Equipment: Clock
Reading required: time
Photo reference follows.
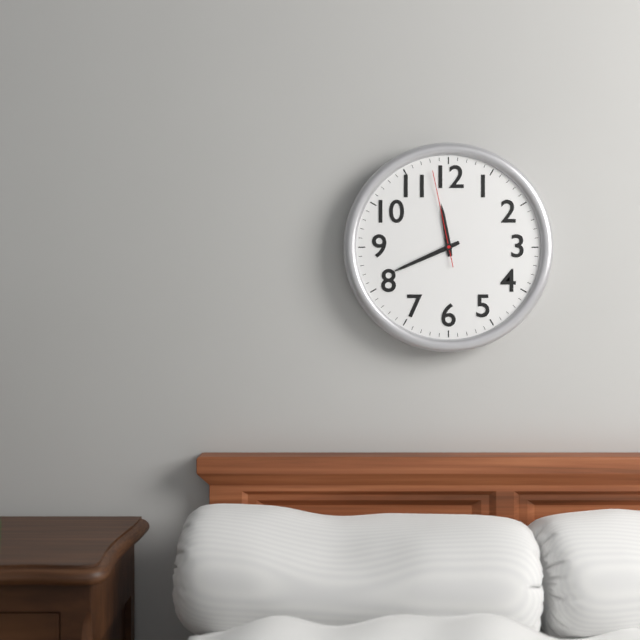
11:41:58
